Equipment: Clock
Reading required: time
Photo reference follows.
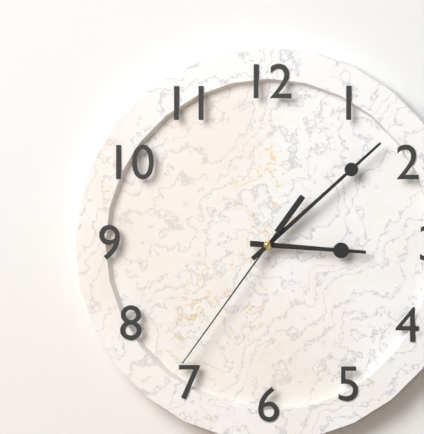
3:08:36
